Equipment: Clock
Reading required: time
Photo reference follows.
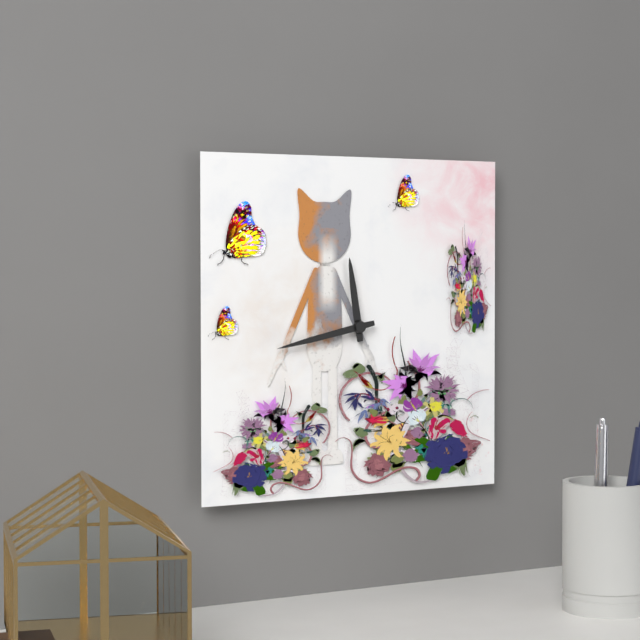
11:43
